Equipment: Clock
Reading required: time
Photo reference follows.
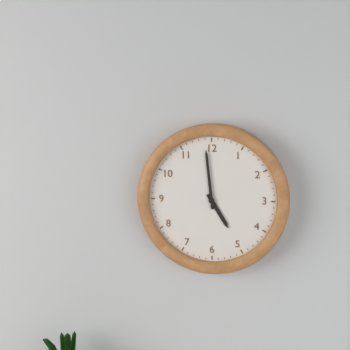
4:59
